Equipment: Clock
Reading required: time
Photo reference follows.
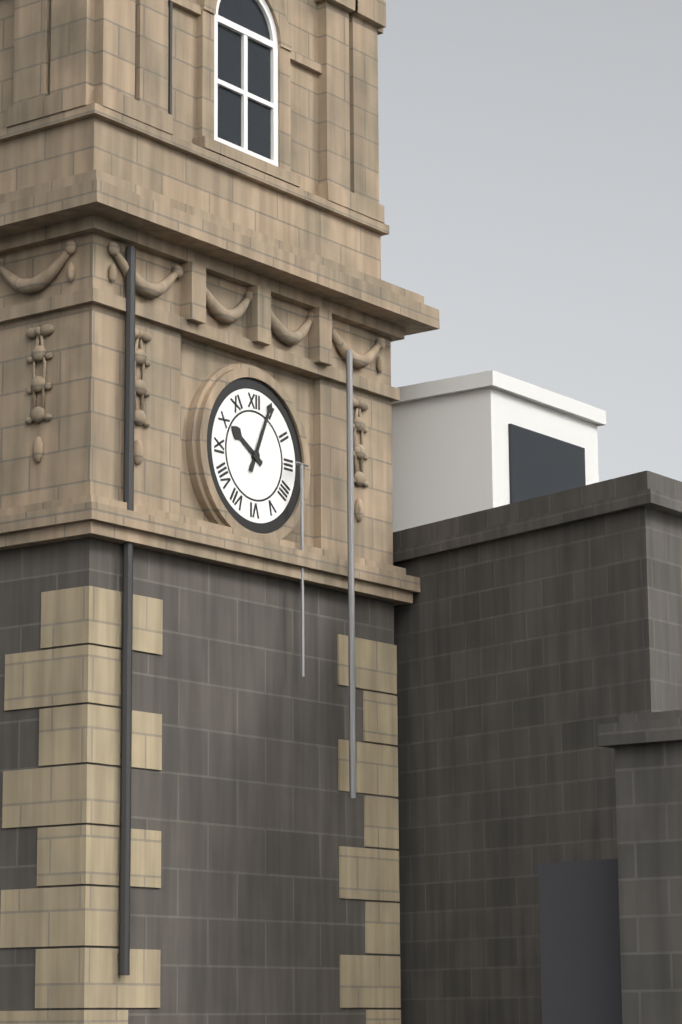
10:04
